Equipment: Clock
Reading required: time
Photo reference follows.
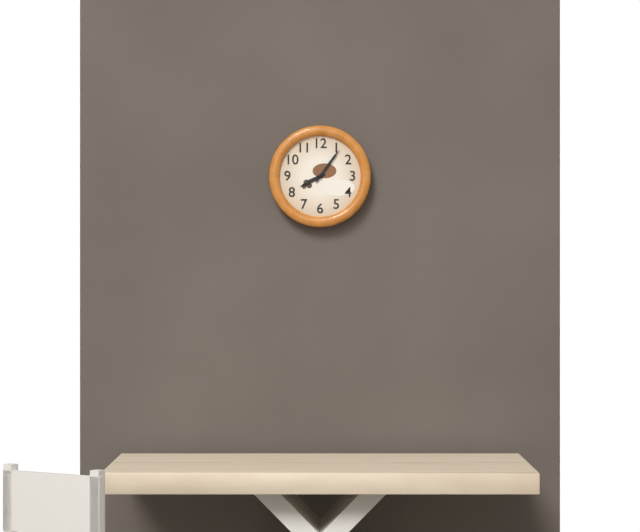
8:06
